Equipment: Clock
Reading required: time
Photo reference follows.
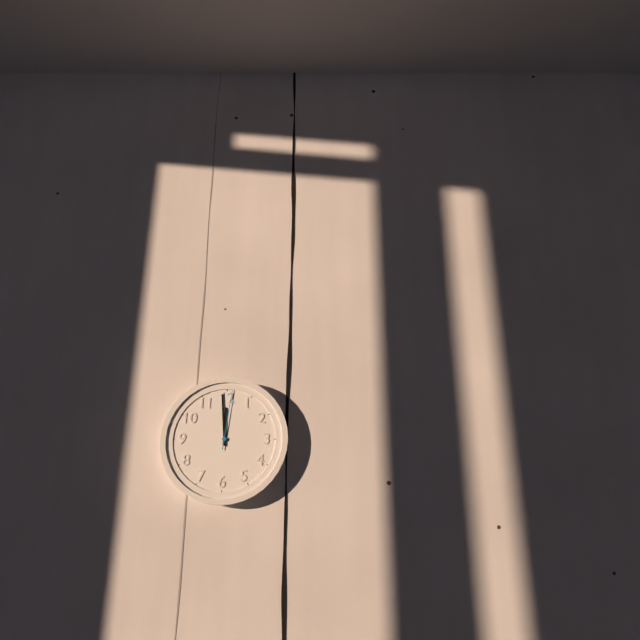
11:59:01
